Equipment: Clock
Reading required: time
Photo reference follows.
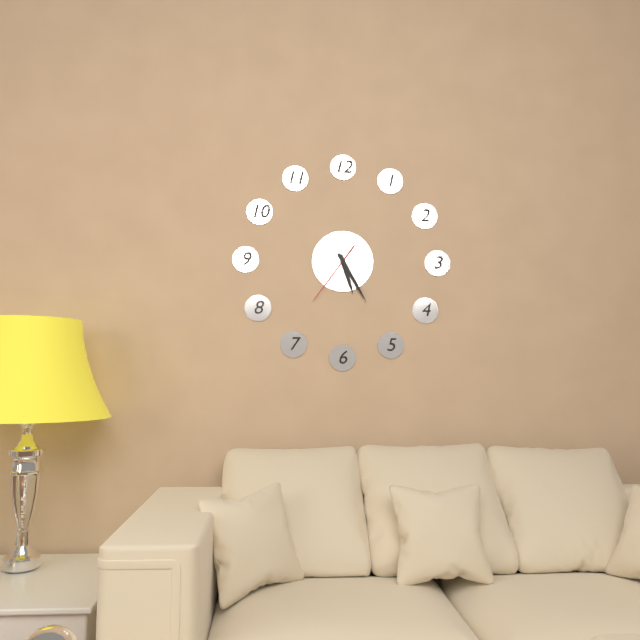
5:25:36
